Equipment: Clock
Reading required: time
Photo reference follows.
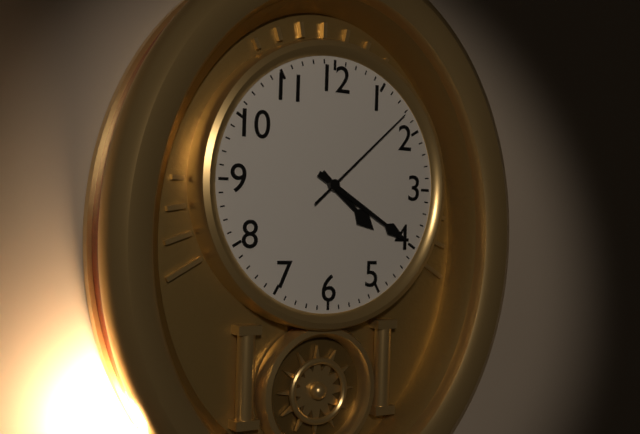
4:20:08
